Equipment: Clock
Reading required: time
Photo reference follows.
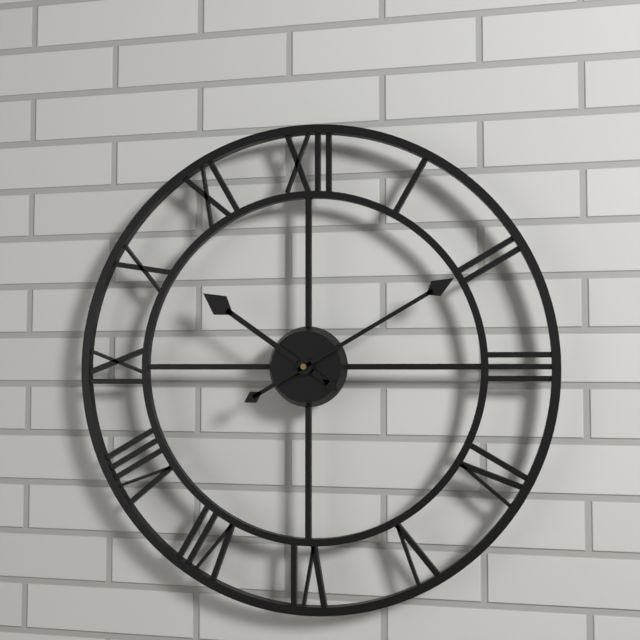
10:10
